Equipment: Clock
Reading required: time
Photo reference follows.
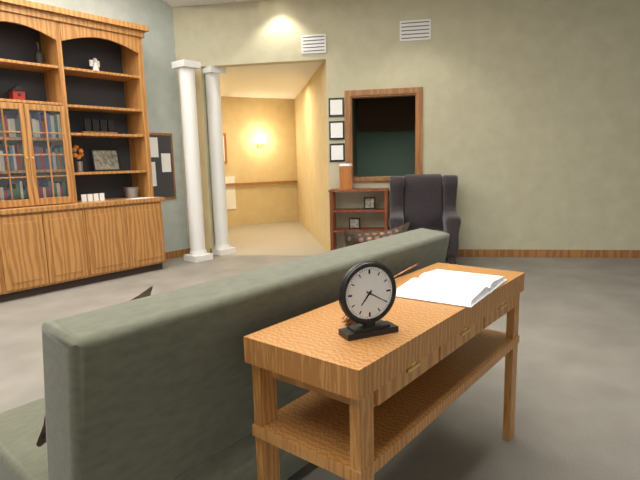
7:20
